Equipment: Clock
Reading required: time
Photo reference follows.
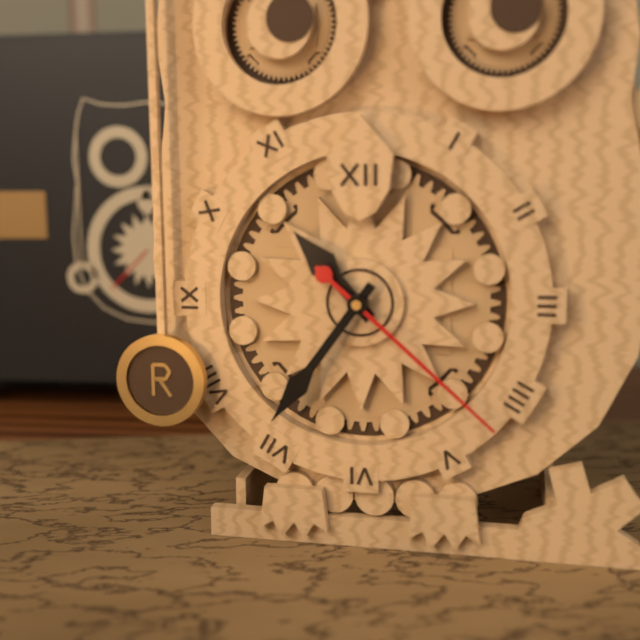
10:36:22
